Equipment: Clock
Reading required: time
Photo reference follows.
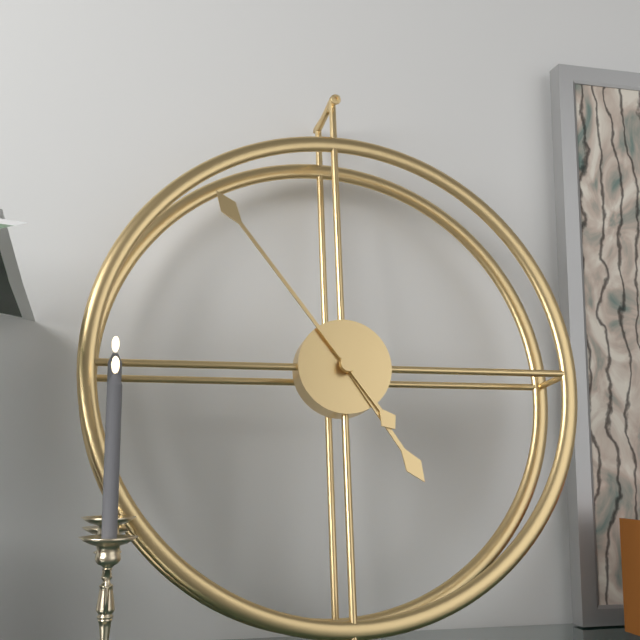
4:54
